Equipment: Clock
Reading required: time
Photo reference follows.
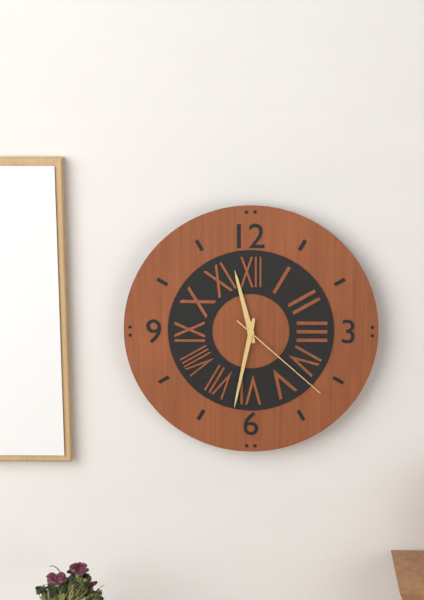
11:32:22
